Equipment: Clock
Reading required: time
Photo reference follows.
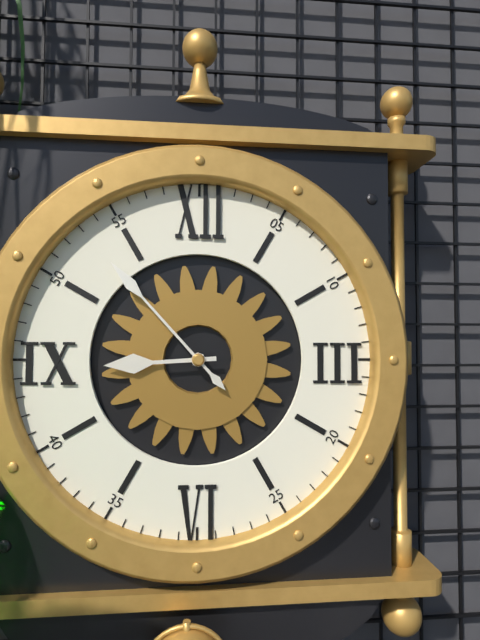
8:53
